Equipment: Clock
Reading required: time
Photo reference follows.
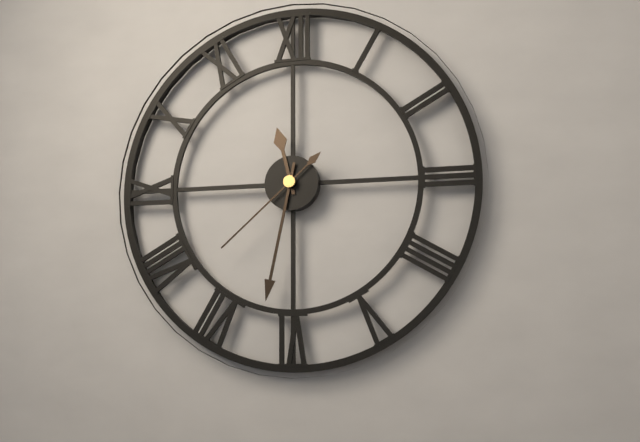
11:32:38
